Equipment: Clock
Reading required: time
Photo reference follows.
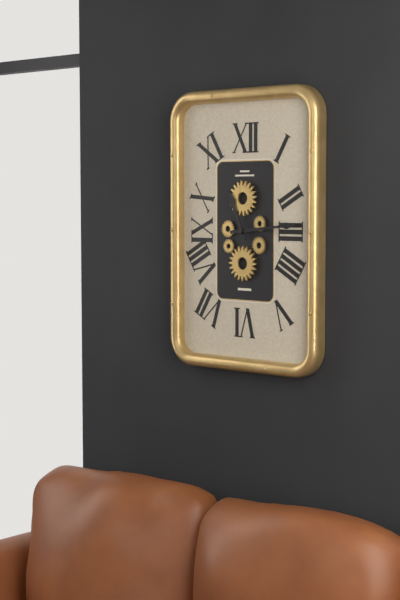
11:14
